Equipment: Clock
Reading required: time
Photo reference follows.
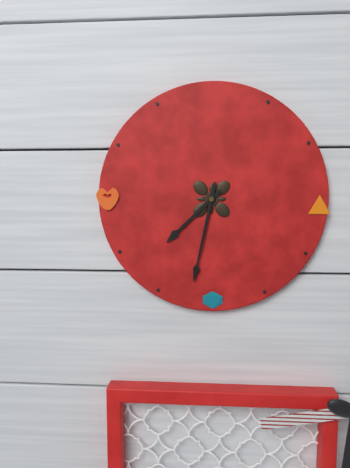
7:32
